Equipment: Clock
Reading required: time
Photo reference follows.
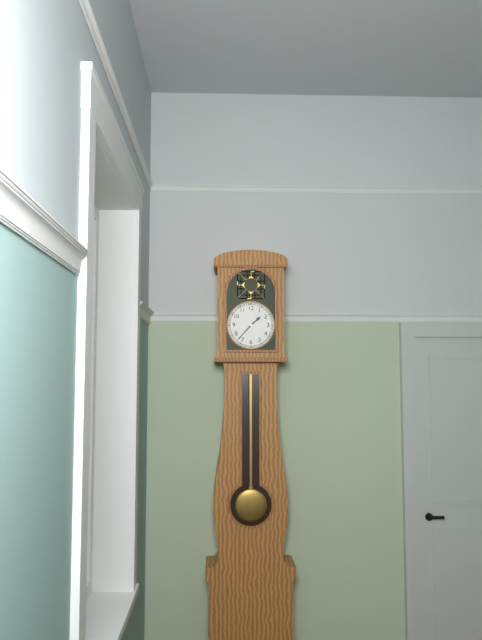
1:37
